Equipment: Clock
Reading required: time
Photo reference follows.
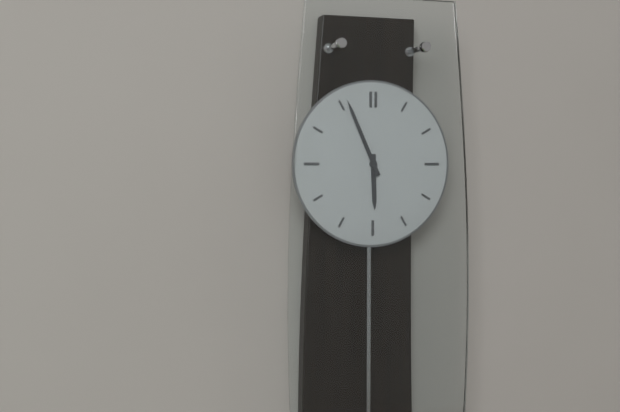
5:56
